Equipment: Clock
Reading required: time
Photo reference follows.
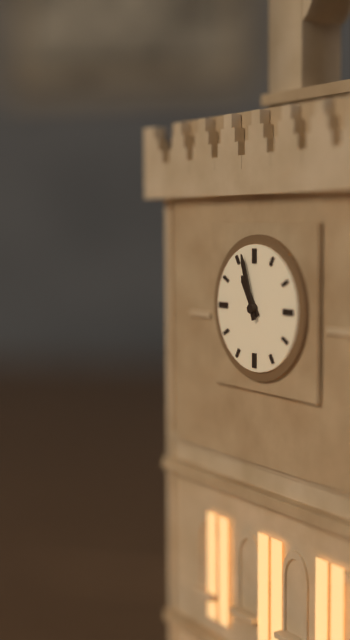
10:57
